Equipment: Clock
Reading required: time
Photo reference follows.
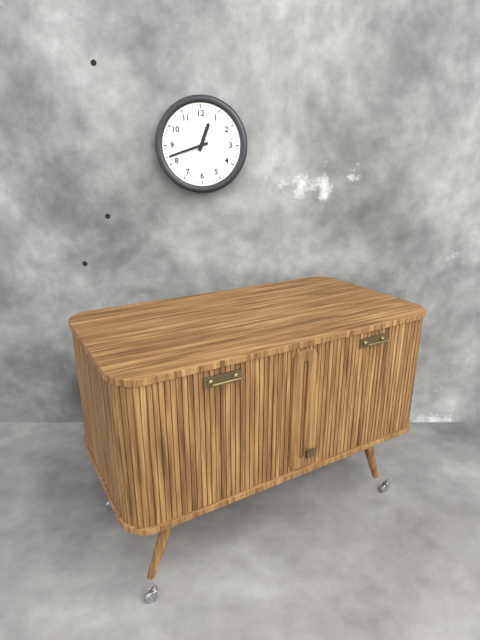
12:42
